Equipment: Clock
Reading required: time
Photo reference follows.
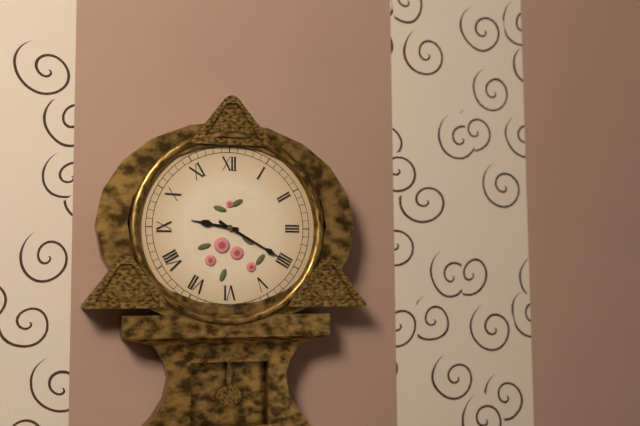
9:20
